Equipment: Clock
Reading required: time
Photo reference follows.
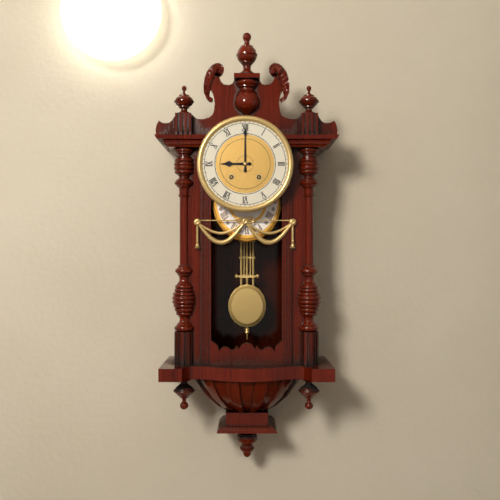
9:00
